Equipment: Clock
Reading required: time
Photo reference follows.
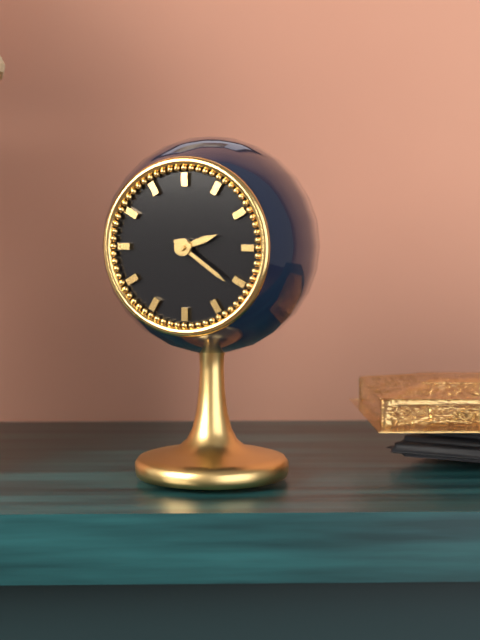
2:21
